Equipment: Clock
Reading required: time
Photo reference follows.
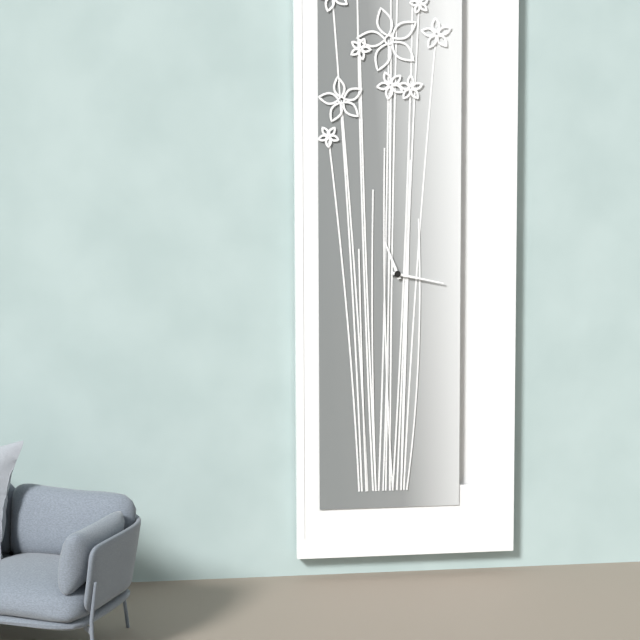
11:17
